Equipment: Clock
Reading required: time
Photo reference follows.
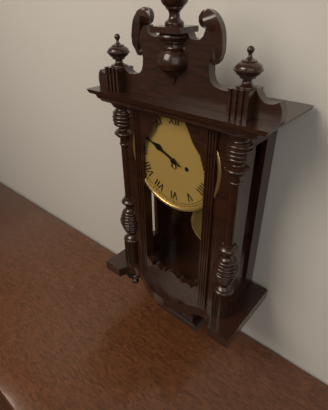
9:49
